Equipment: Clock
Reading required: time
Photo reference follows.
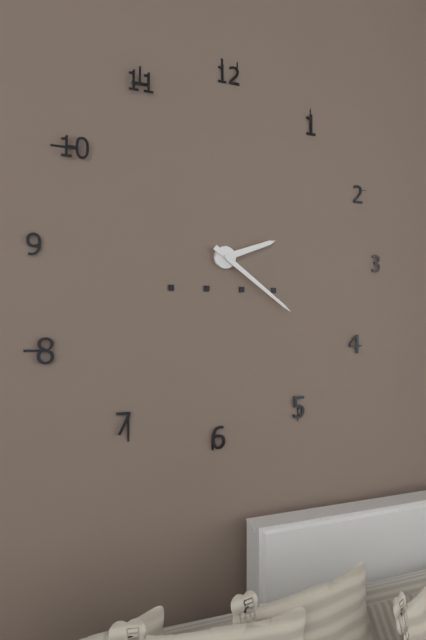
2:21
